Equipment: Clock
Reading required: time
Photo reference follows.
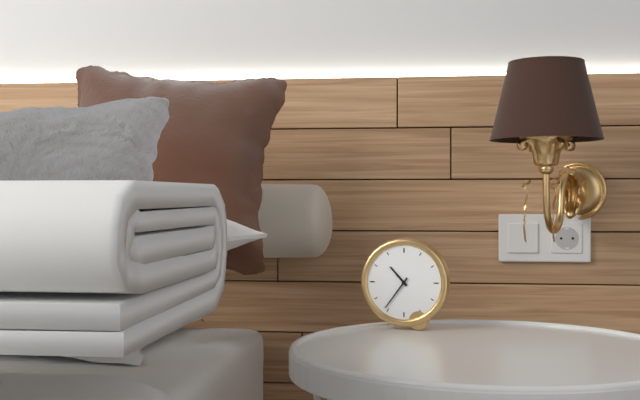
10:36
